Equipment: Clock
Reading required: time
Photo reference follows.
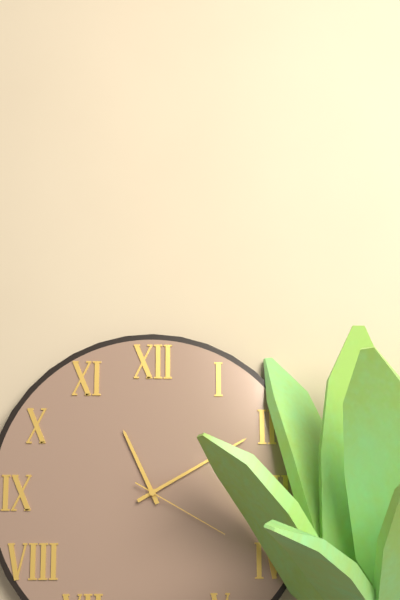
11:10:20
